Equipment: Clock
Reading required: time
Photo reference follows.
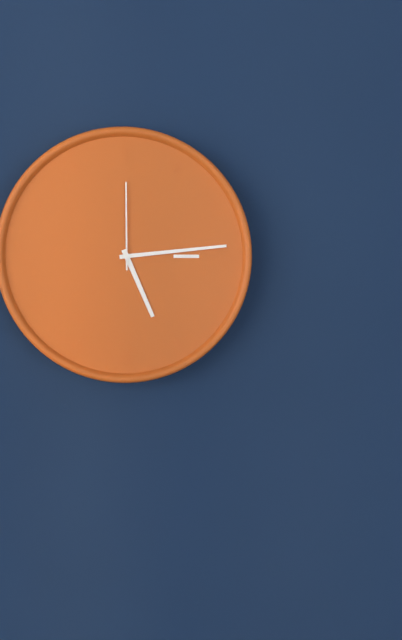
5:14:00
